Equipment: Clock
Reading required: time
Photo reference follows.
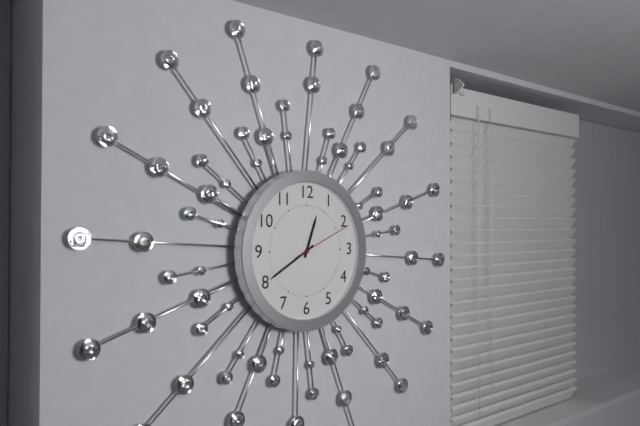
12:40:11
